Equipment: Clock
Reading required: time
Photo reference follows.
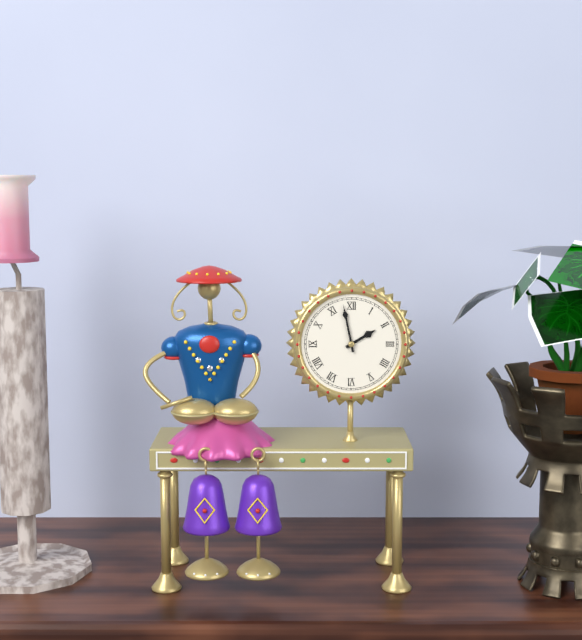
1:58
